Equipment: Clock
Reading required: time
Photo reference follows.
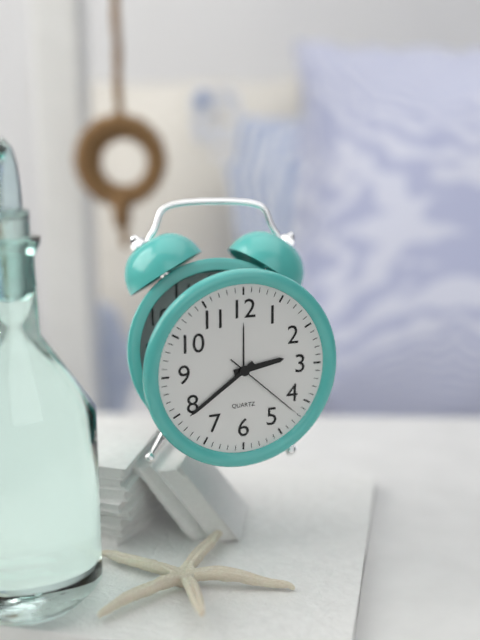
2:39:22
